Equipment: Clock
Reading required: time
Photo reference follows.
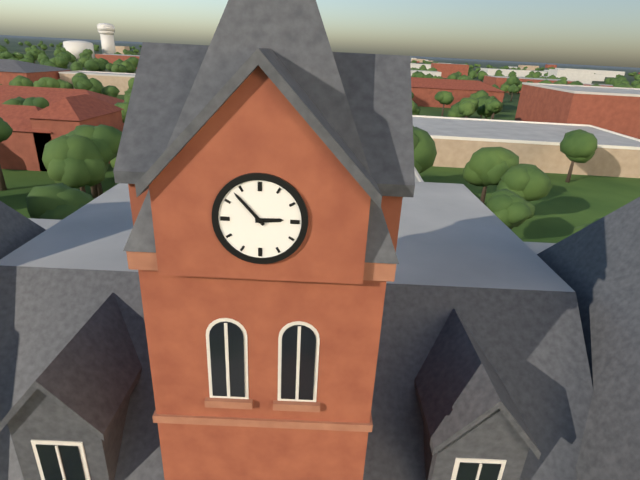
2:53
